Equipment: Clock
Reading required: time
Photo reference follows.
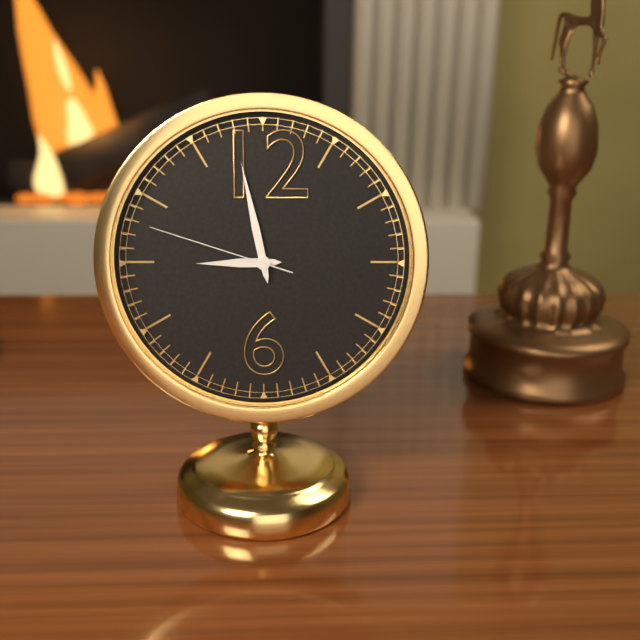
8:58:48
